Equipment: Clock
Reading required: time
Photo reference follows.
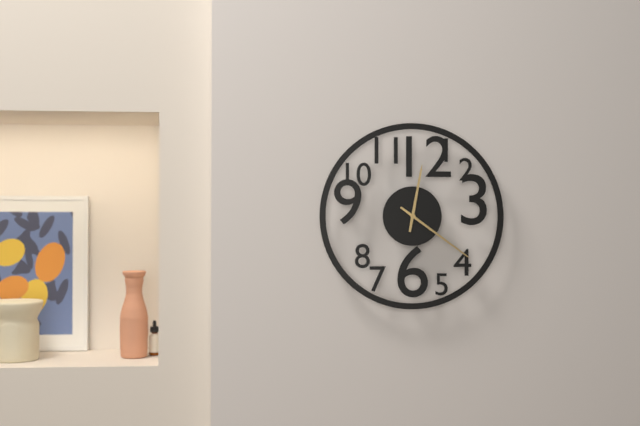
12:21
